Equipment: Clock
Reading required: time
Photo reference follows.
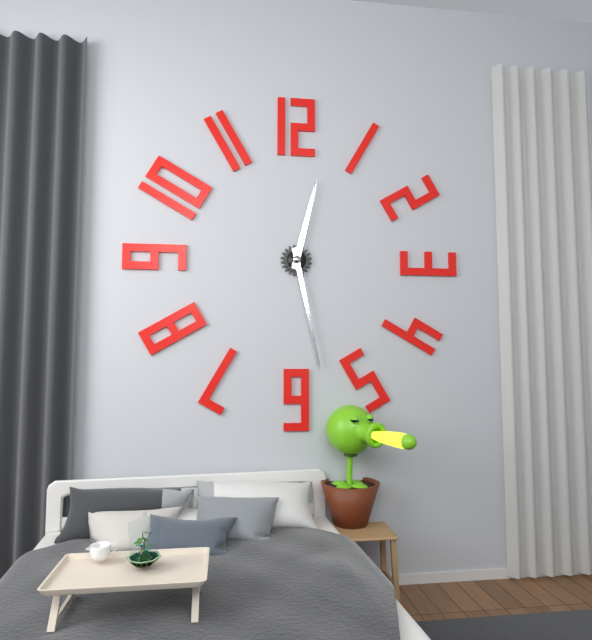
12:28
